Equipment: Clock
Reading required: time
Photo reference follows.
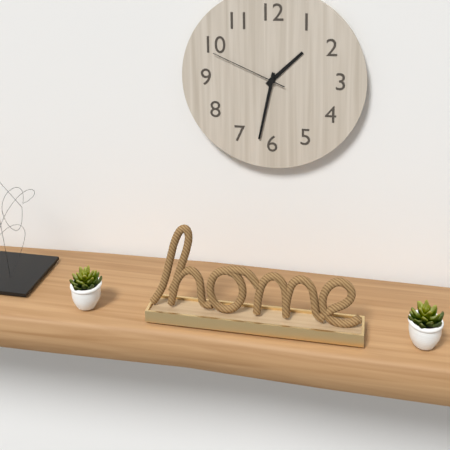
1:32:49
